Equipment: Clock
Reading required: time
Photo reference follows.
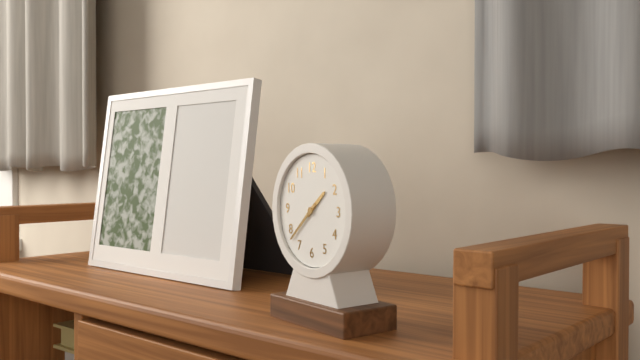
1:38
